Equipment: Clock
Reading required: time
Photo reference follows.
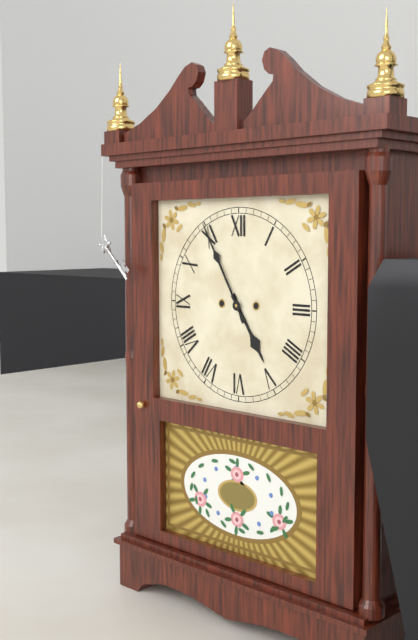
4:55
